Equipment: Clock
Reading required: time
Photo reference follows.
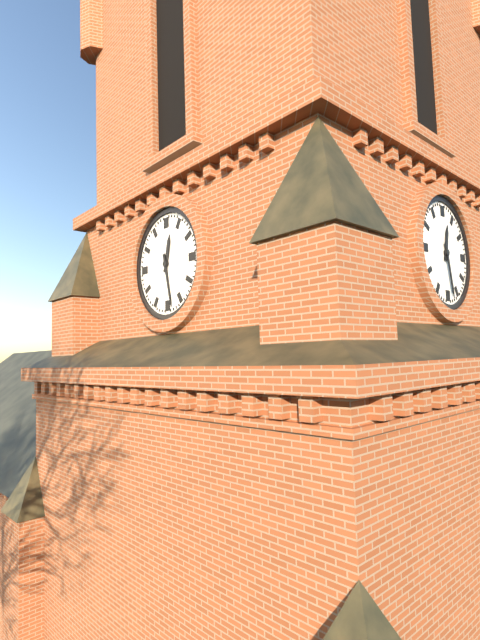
12:28
